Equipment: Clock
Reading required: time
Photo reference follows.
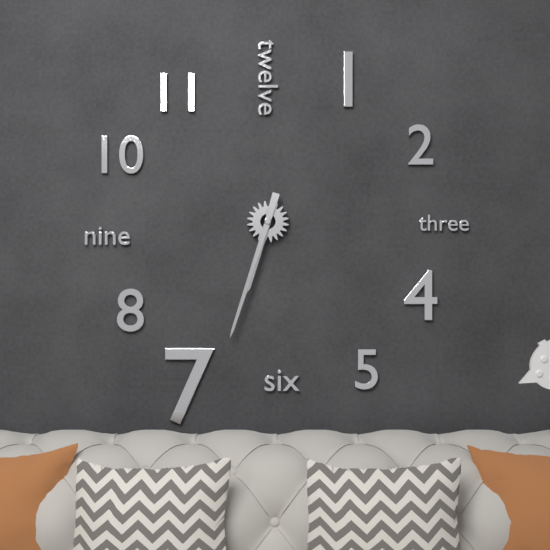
6:33
